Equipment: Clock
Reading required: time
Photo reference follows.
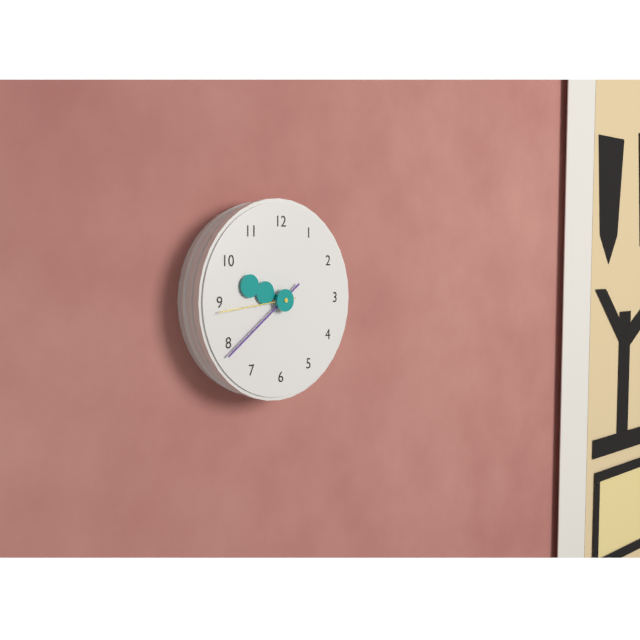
9:39:44
